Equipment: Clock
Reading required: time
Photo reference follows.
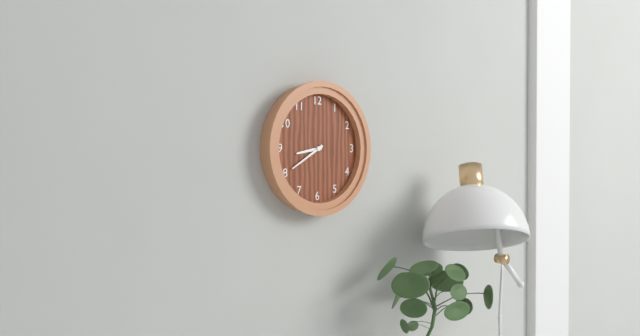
8:40
